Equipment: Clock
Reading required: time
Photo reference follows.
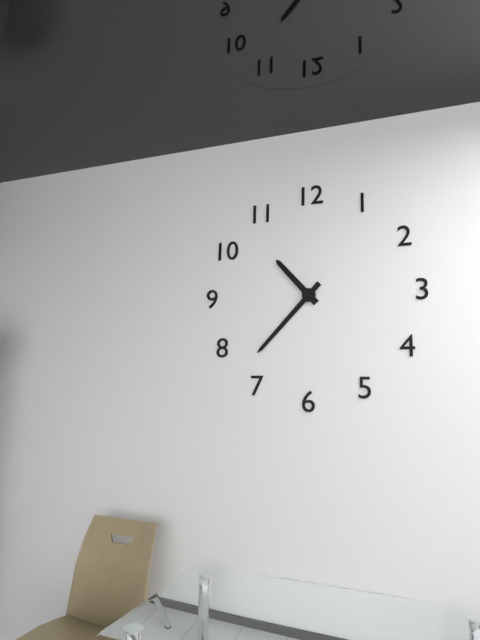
10:37
